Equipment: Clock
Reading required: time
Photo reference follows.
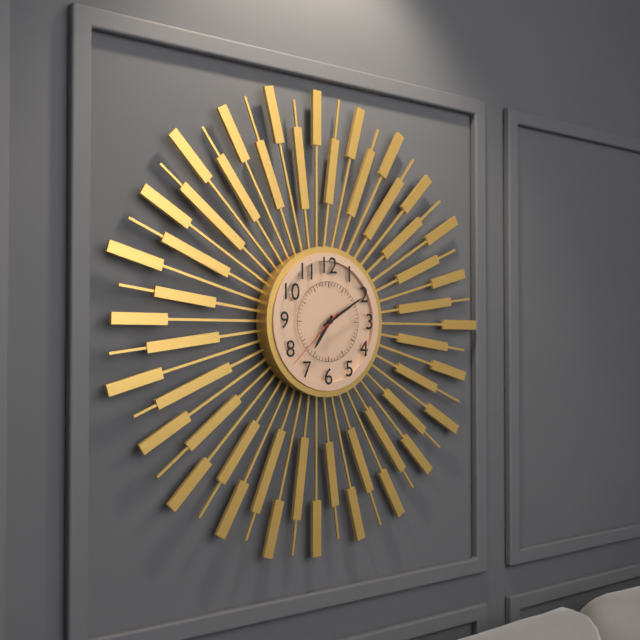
7:10:38
